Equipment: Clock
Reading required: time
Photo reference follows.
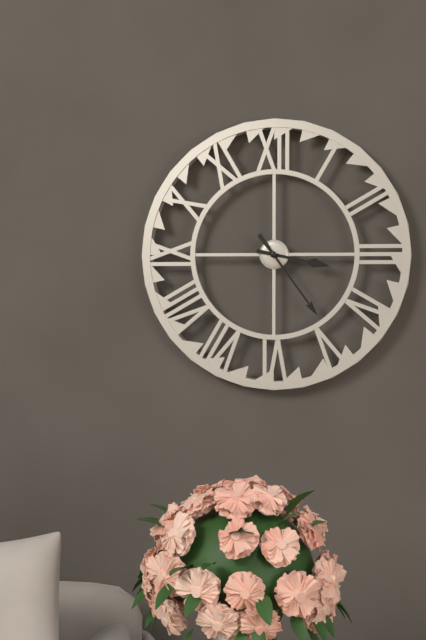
3:24
